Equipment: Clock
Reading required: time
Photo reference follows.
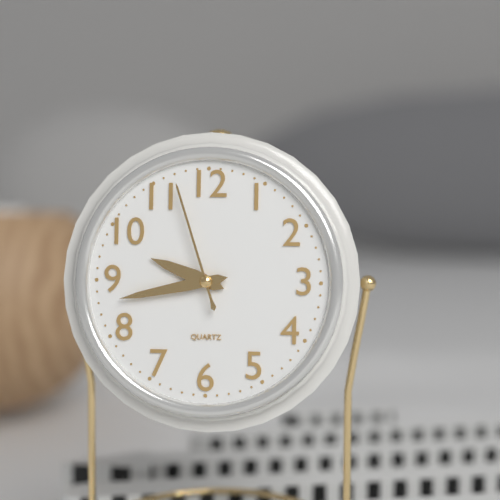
9:43:57
